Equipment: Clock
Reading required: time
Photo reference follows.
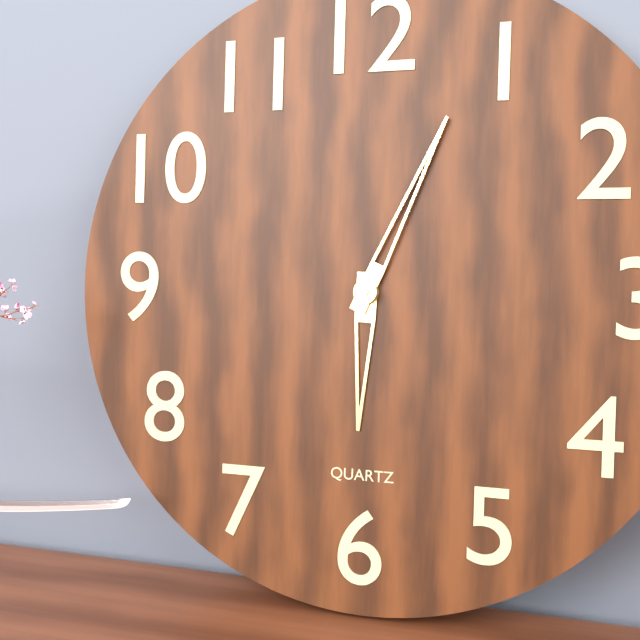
6:04
